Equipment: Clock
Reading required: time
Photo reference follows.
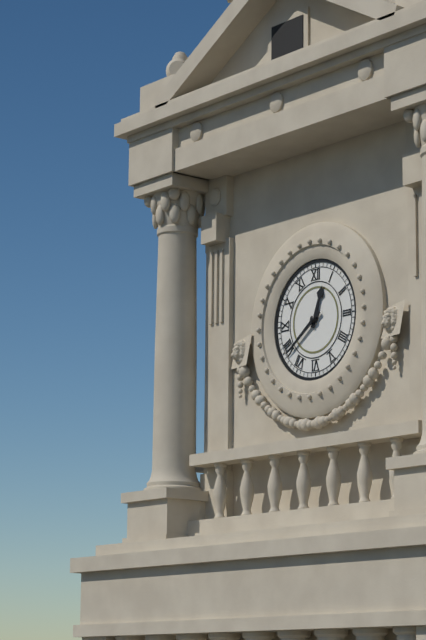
12:39
